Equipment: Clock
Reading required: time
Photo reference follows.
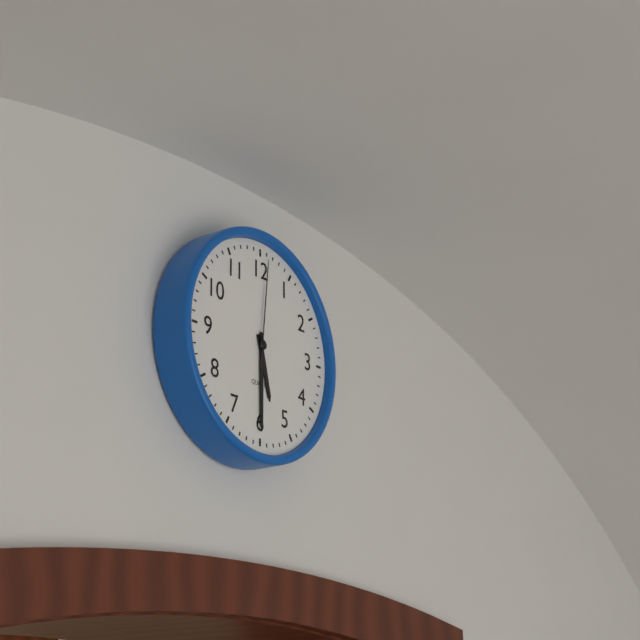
5:30:01
